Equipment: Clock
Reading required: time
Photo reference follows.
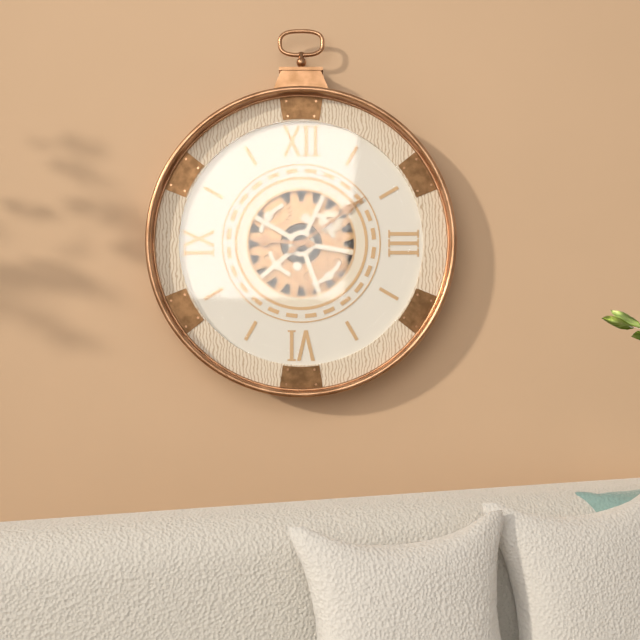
9:09
